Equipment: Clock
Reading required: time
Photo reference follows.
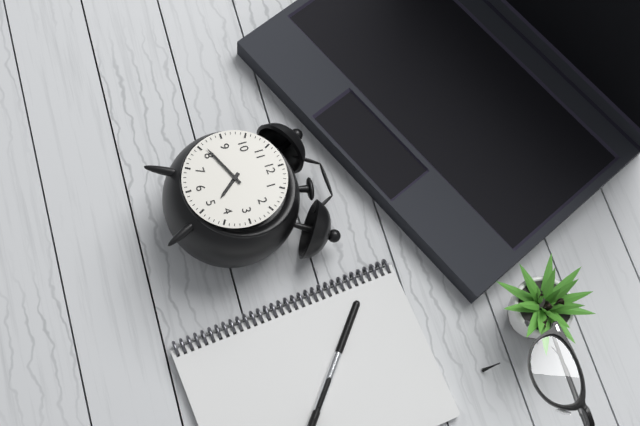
4:41
